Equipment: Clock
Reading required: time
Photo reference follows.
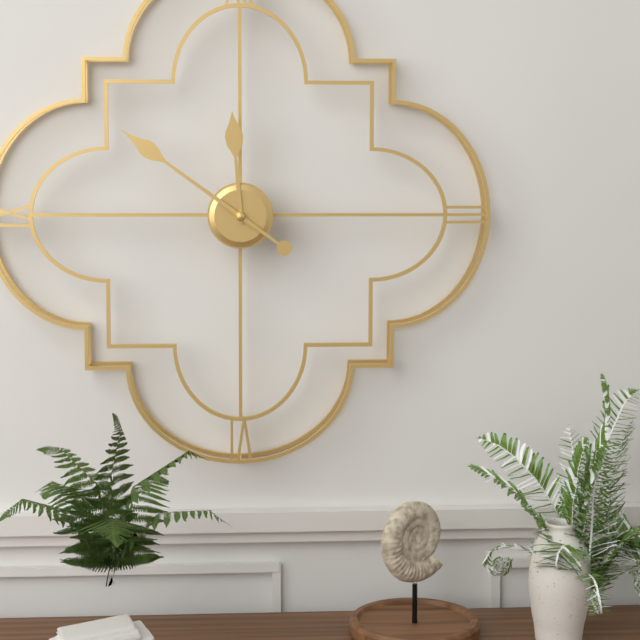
11:51
